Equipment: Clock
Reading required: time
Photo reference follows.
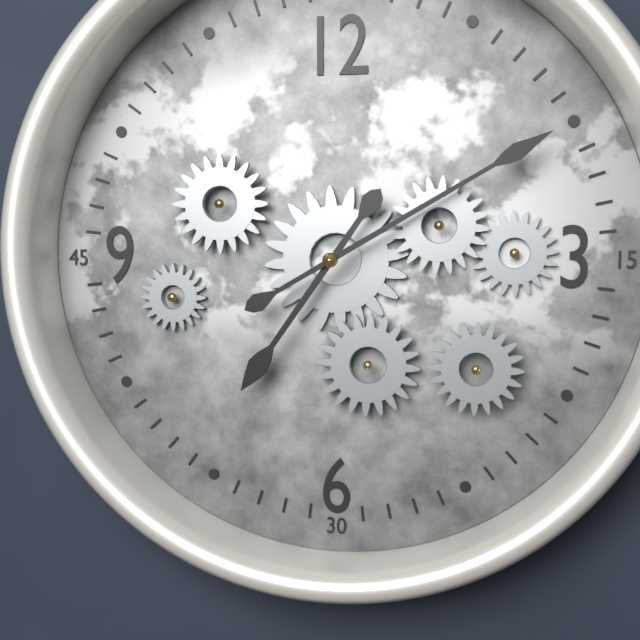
7:10
